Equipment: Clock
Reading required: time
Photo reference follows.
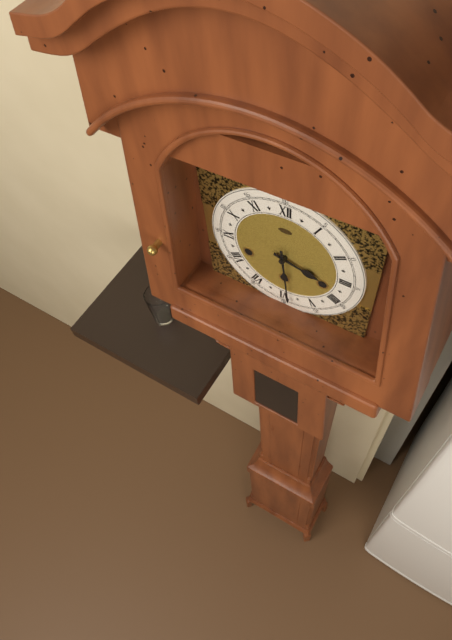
3:29
